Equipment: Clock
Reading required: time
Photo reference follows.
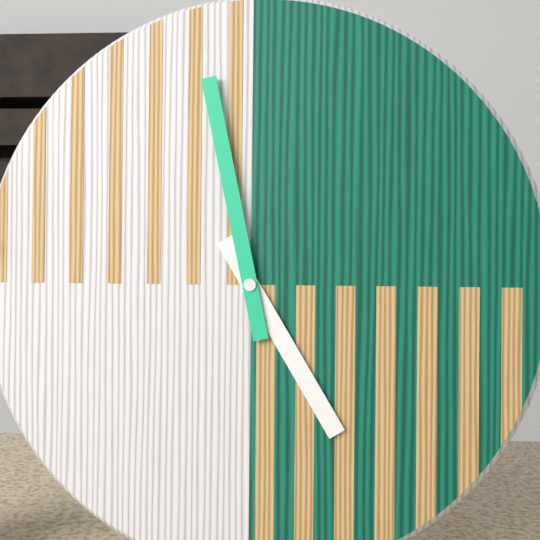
4:58
